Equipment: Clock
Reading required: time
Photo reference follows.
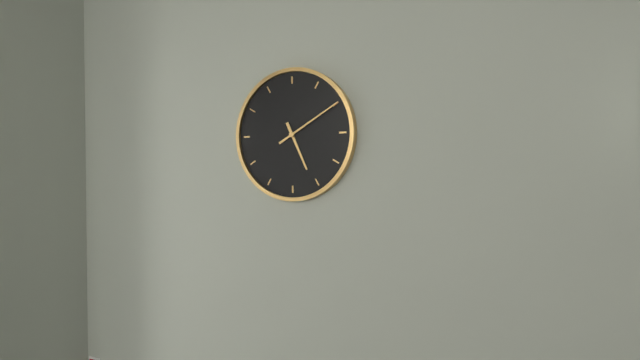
5:10
